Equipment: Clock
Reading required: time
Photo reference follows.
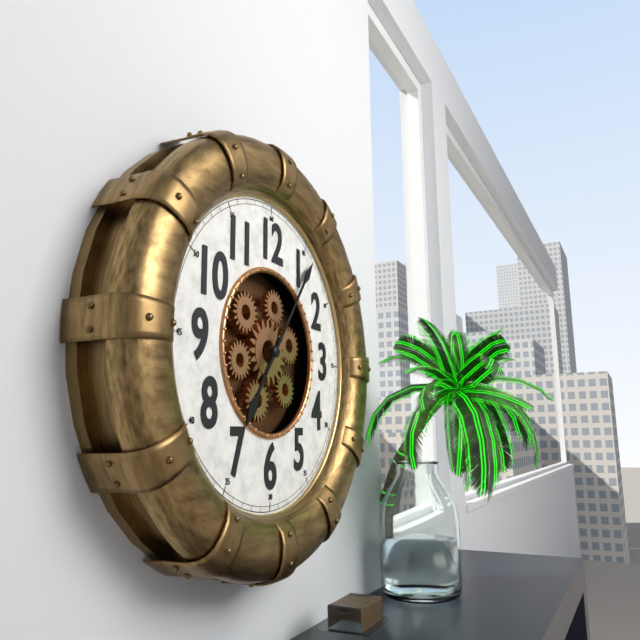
7:06
